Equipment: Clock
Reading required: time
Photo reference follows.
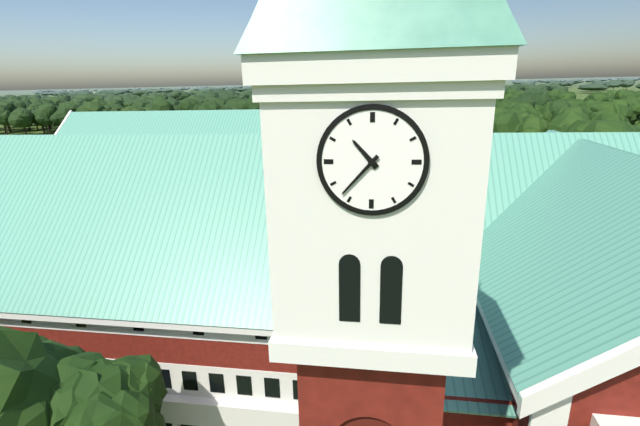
10:37
